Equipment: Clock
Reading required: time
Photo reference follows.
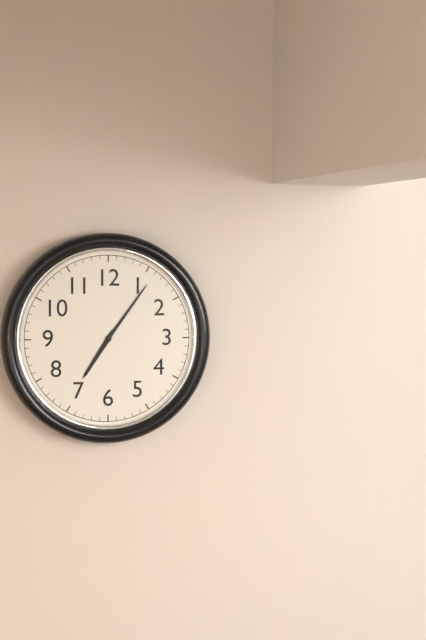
7:06
